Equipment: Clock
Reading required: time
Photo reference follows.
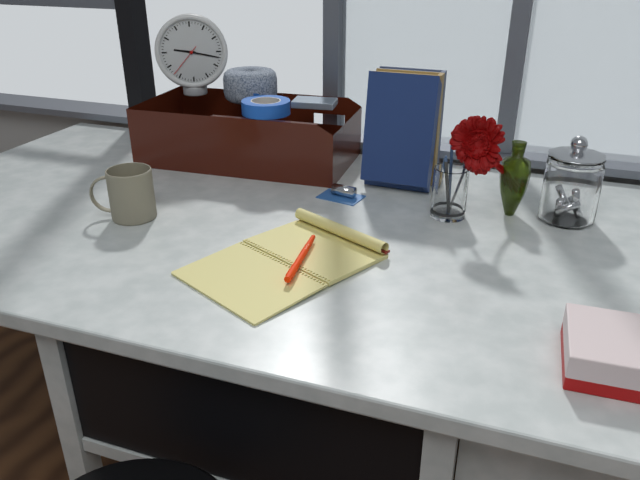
9:17
